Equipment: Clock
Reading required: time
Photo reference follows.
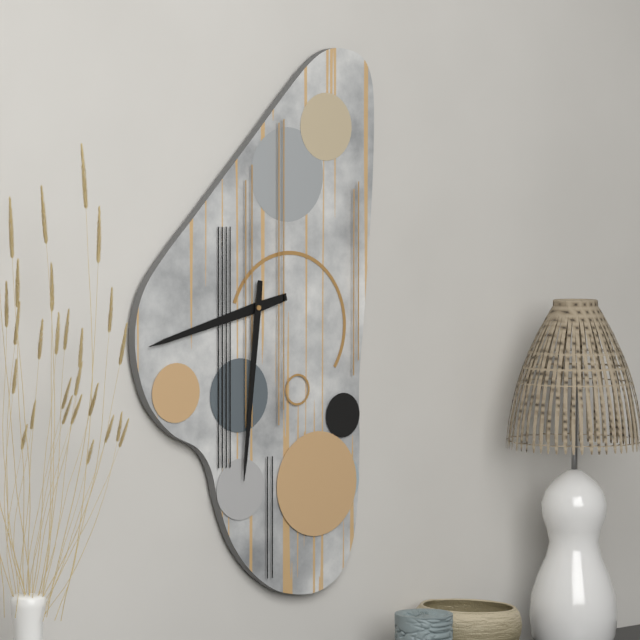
8:31
